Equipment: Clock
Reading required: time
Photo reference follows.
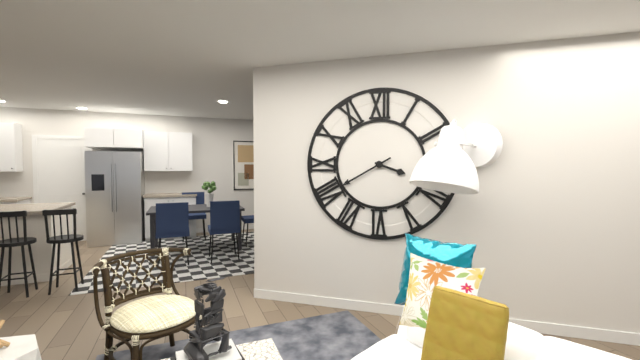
3:40
